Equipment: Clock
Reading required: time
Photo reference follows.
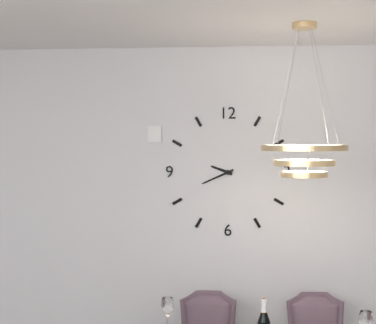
9:41
